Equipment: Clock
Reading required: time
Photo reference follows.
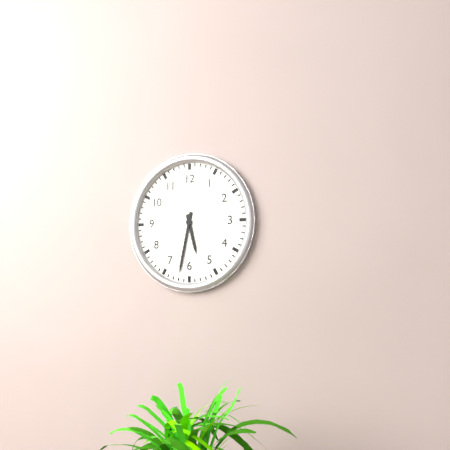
5:32
